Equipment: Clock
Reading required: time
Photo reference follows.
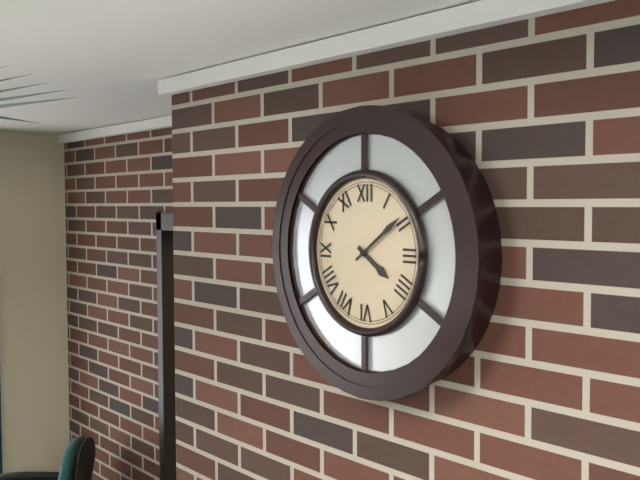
4:09
